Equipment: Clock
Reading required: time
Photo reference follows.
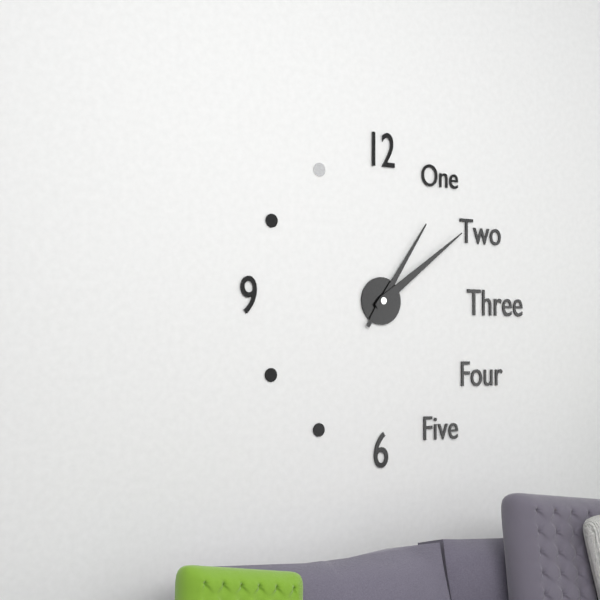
1:09
